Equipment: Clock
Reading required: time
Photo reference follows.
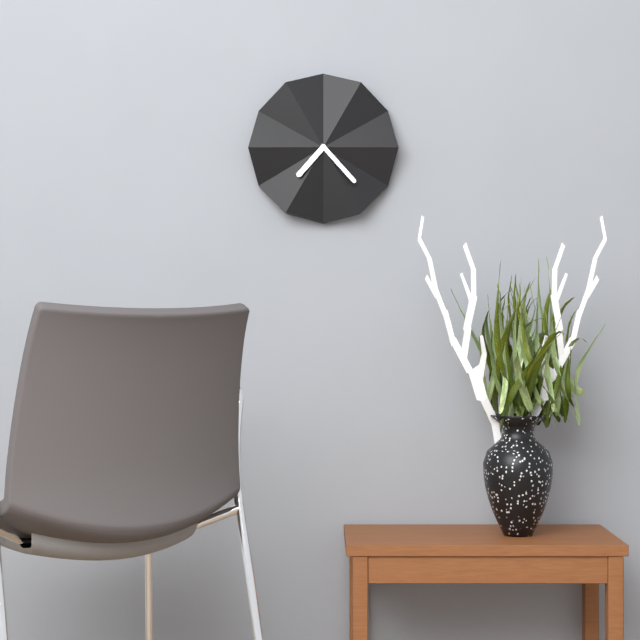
7:23
